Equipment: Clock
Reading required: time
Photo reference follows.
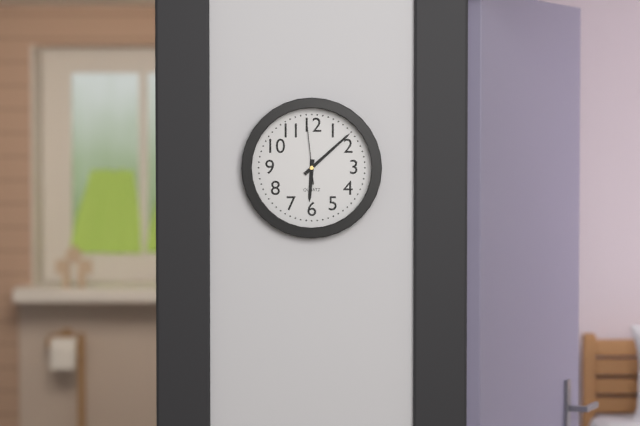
6:08:59
